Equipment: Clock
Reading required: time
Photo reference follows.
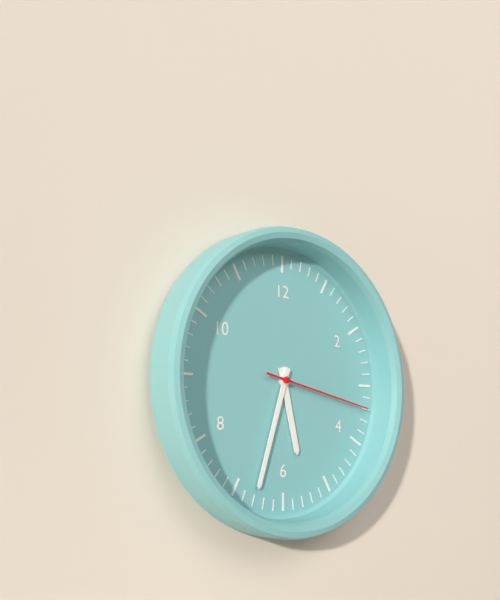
5:33:17
